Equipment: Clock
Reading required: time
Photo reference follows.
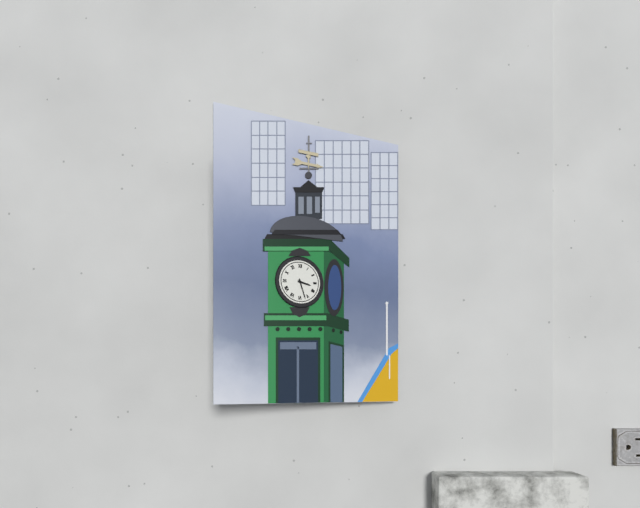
3:27
